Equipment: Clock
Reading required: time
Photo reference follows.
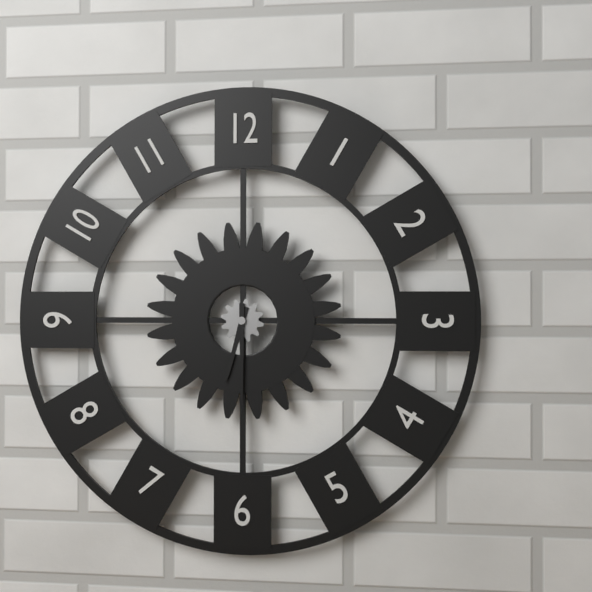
6:30
